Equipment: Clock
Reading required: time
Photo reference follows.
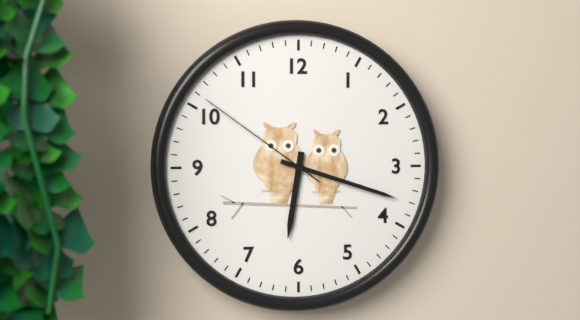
6:18:51
